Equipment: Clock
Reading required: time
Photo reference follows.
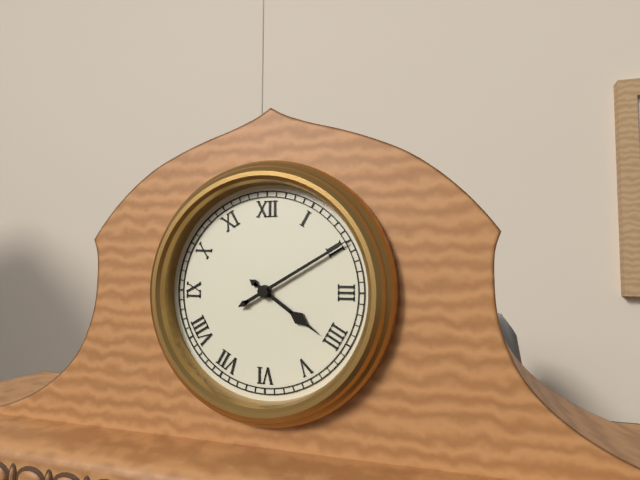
4:10
